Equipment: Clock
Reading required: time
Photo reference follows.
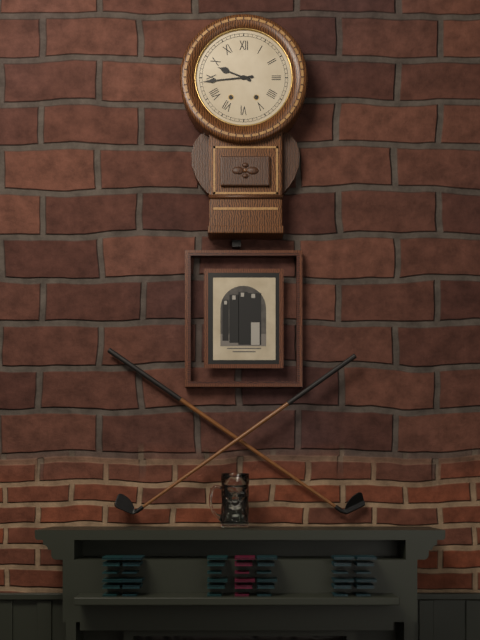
9:44
